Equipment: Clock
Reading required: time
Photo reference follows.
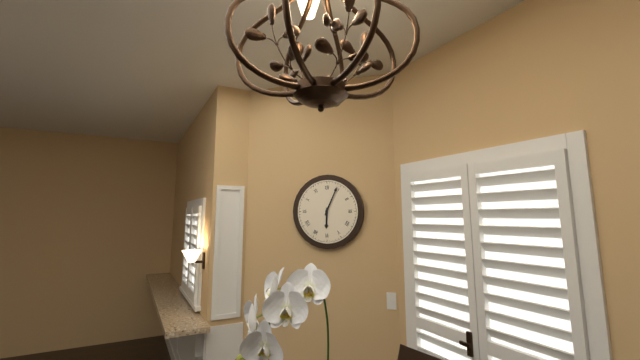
6:04
